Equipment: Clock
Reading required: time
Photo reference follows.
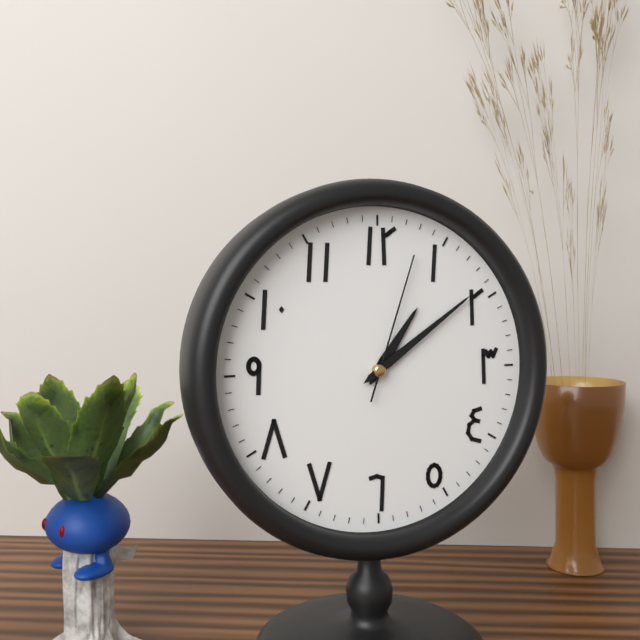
1:09:03
